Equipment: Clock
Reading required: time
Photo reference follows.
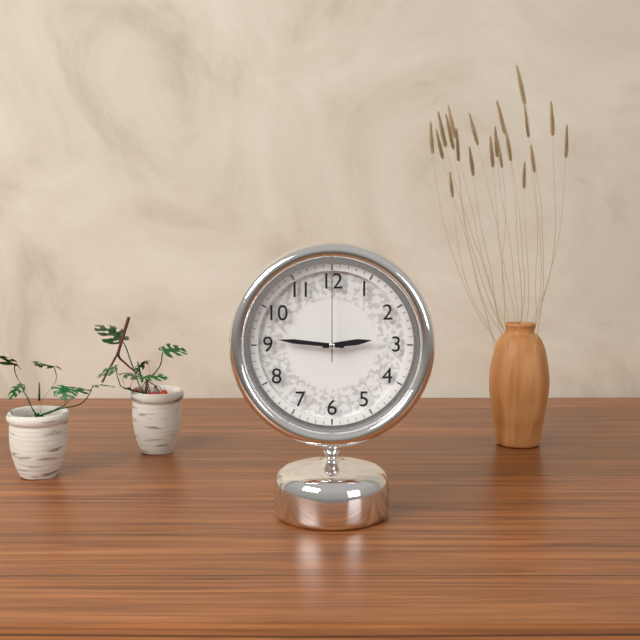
2:46:00
